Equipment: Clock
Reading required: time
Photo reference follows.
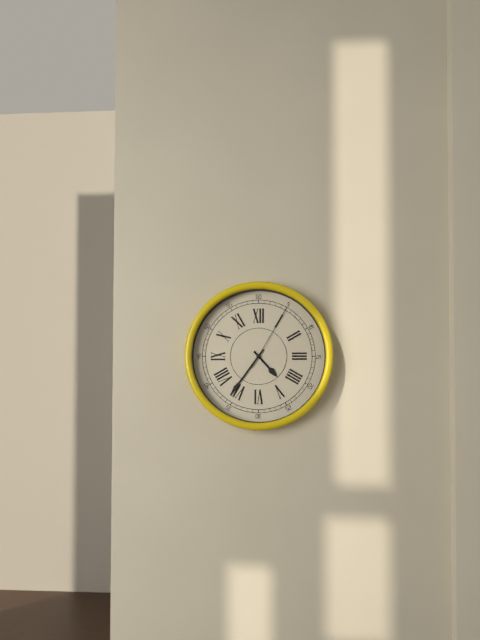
4:36:05
